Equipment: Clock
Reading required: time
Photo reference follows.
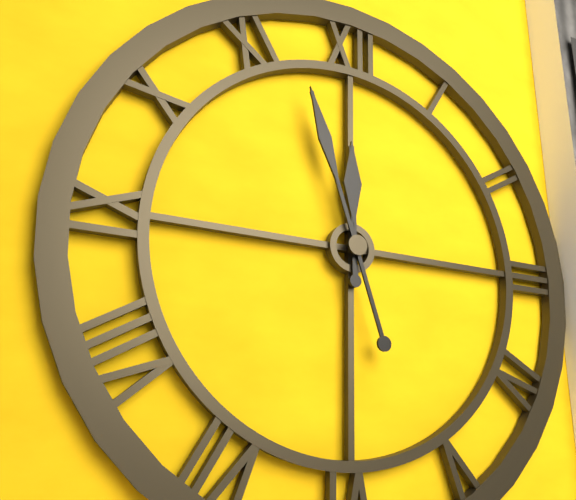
11:57
